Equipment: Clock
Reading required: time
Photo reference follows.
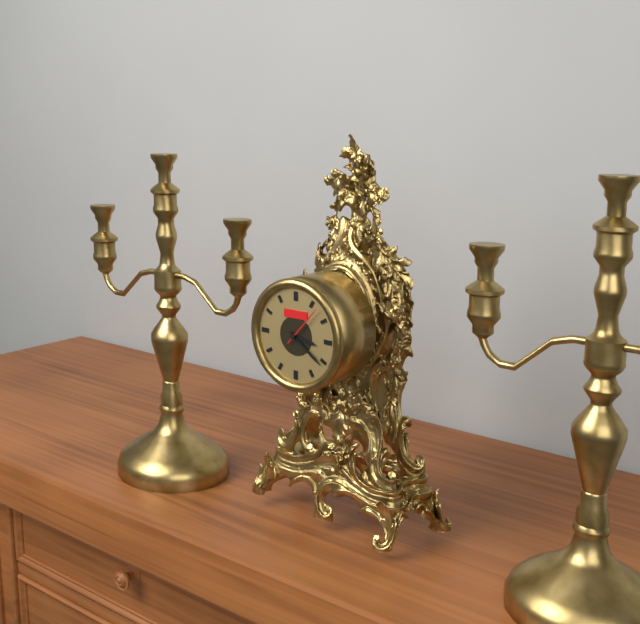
3:21
